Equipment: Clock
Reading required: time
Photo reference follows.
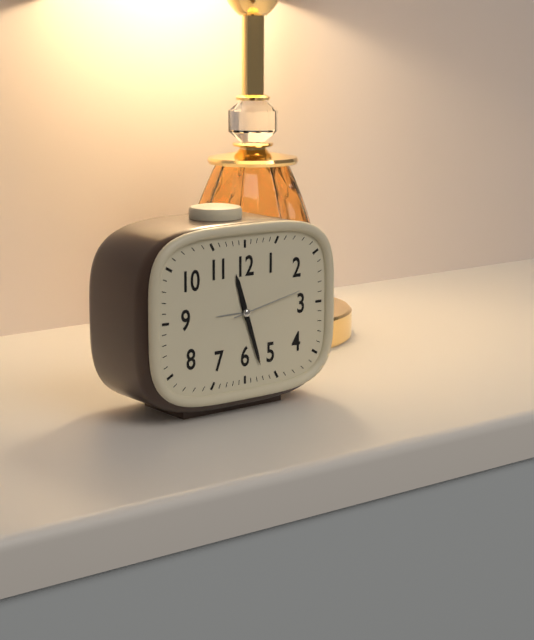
11:27:13
